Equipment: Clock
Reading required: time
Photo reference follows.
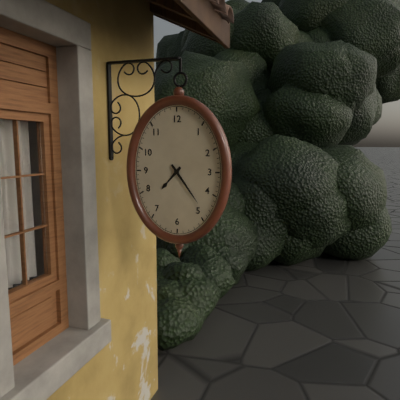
7:24
